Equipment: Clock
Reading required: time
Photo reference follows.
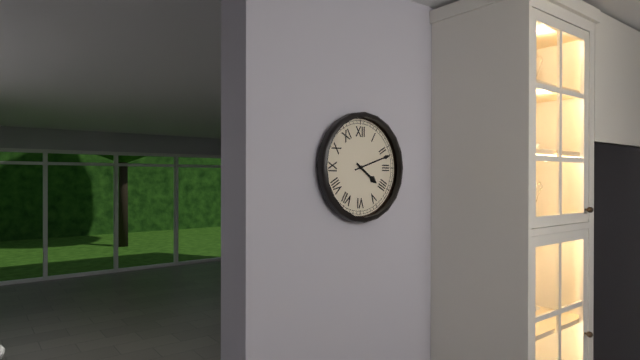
4:12
